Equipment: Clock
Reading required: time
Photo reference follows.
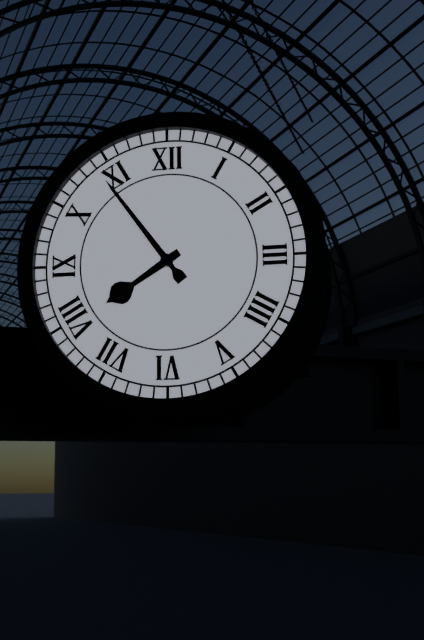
7:54
